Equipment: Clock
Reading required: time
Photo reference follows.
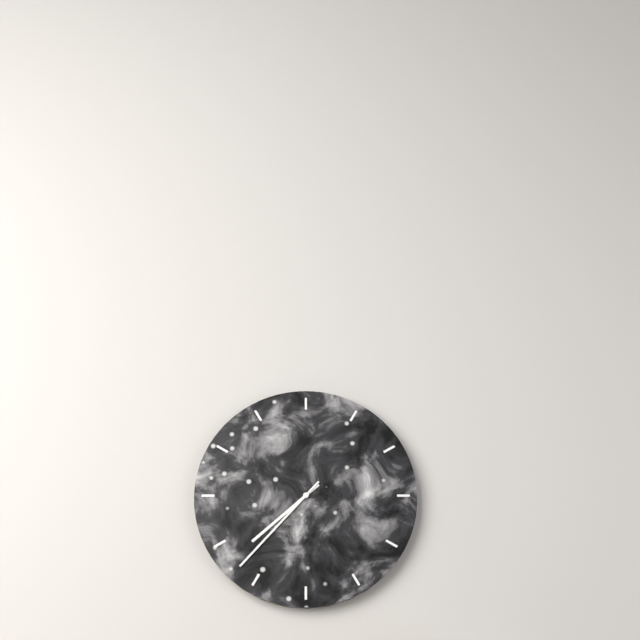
7:37
